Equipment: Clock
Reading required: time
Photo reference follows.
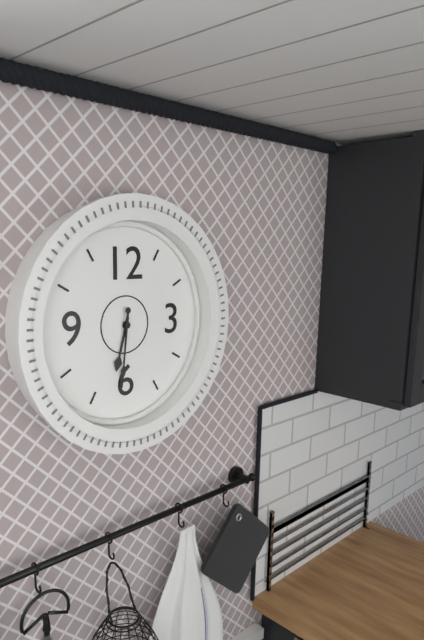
6:31
